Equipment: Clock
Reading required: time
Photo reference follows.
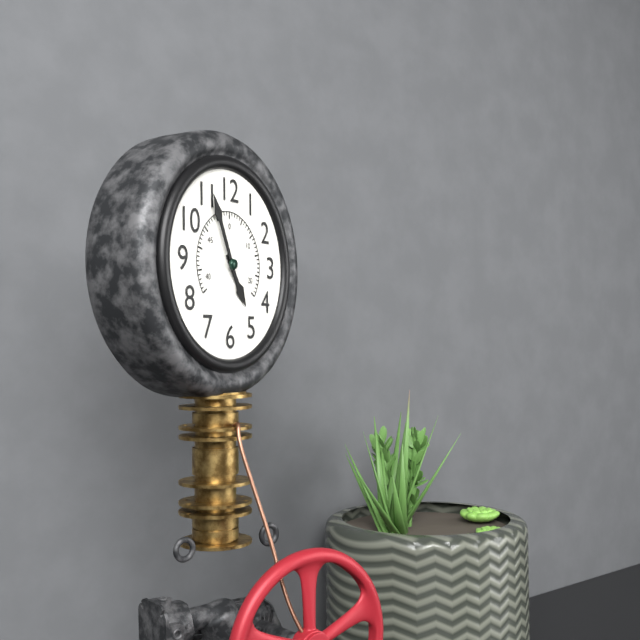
4:56
